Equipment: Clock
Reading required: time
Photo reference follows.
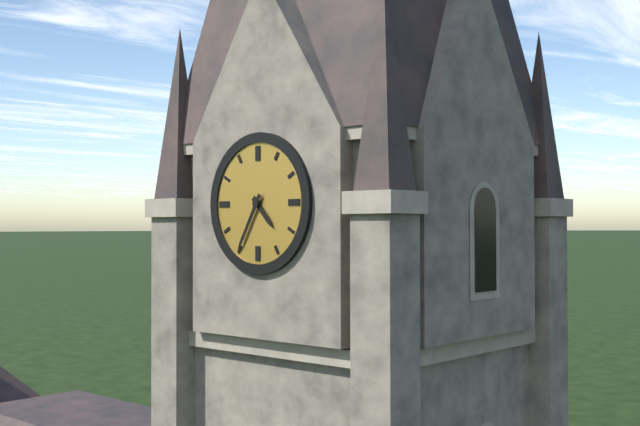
4:35
